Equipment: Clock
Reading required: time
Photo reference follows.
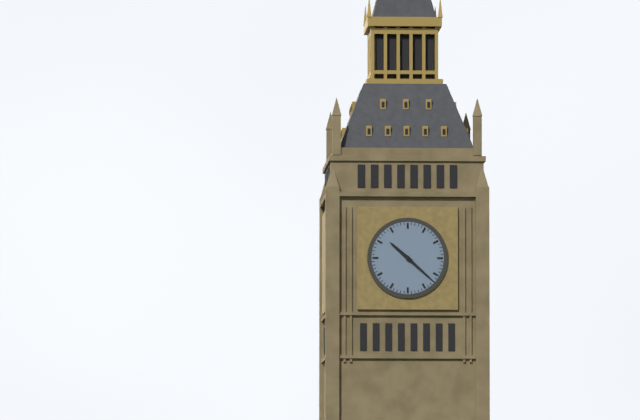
10:22
